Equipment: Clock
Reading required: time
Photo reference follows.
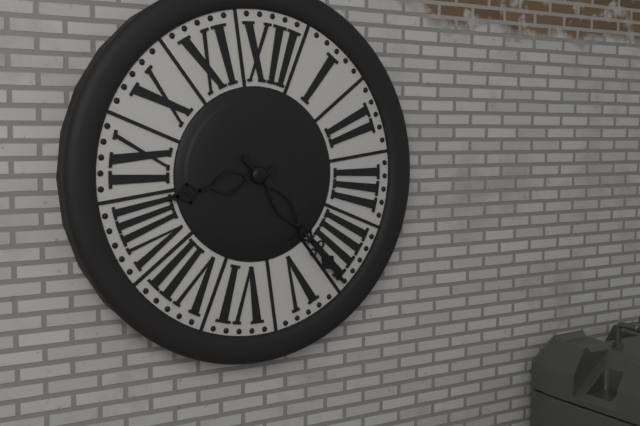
8:22
